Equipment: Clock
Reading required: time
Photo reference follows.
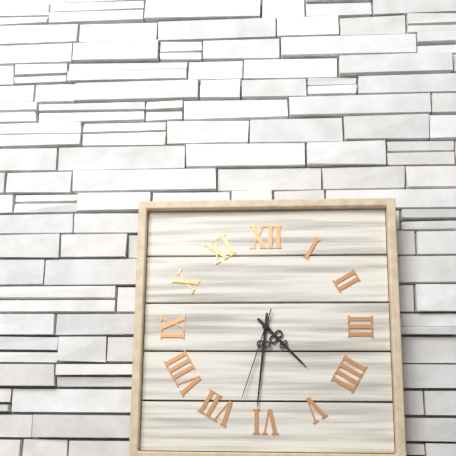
4:31:33
